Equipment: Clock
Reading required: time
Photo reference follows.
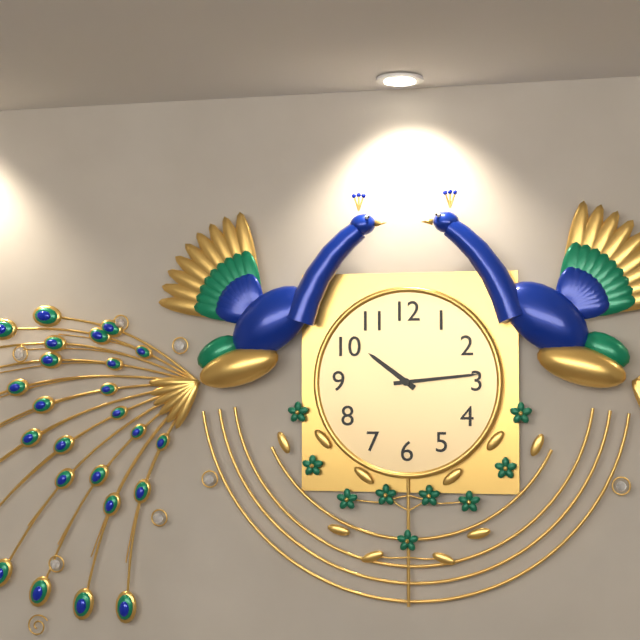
10:14
